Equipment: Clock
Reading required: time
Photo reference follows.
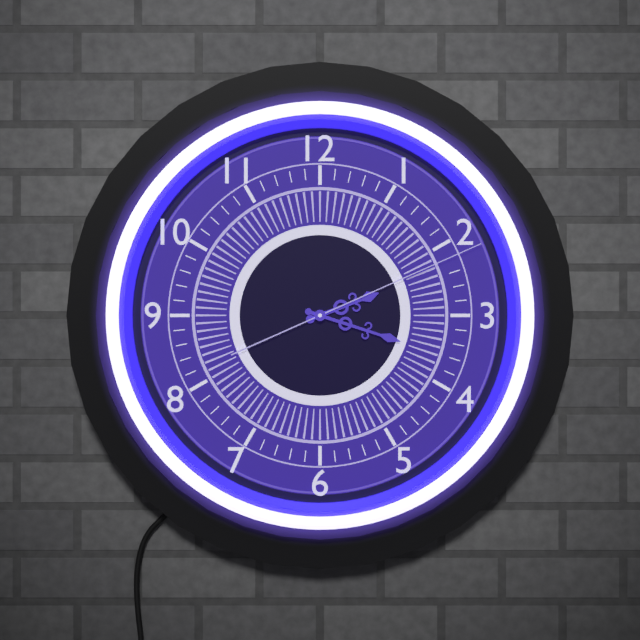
2:18:11
